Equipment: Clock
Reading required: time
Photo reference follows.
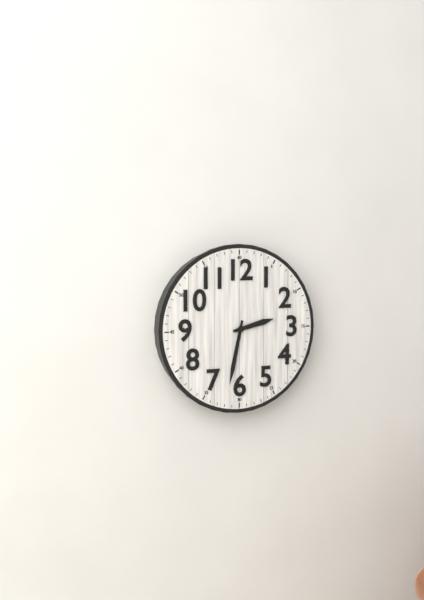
2:32
